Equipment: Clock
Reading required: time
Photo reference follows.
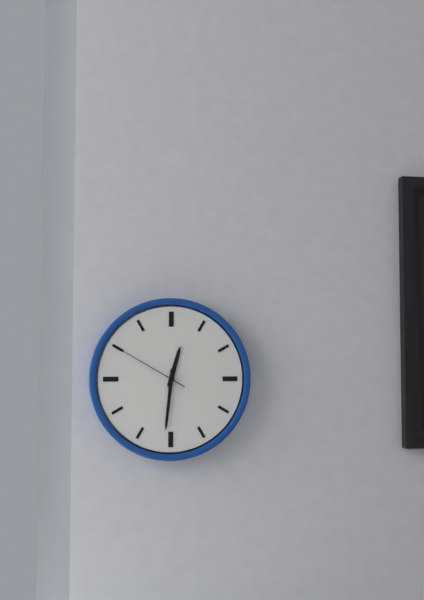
12:31:50
